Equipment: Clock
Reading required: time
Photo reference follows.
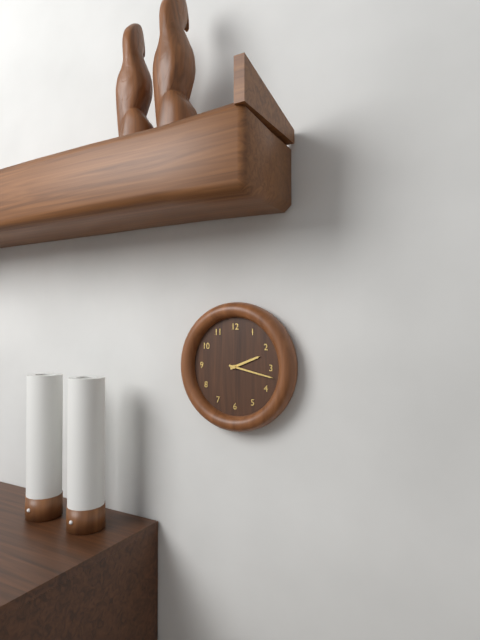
2:17
